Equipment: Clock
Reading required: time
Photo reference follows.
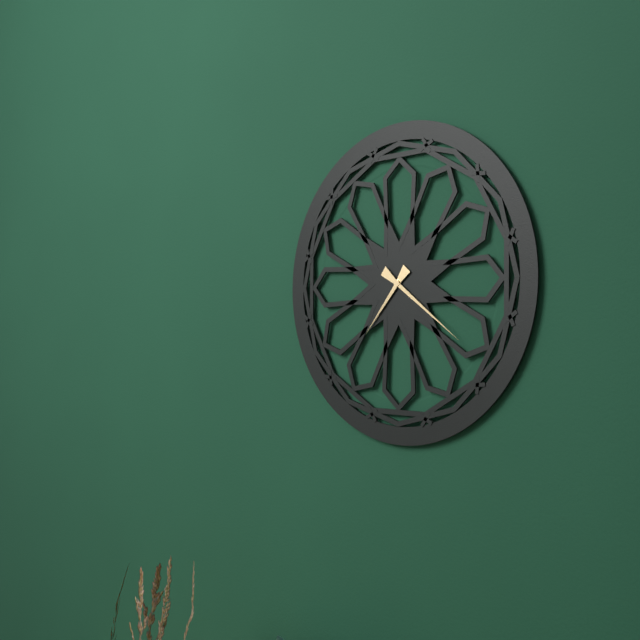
7:21
